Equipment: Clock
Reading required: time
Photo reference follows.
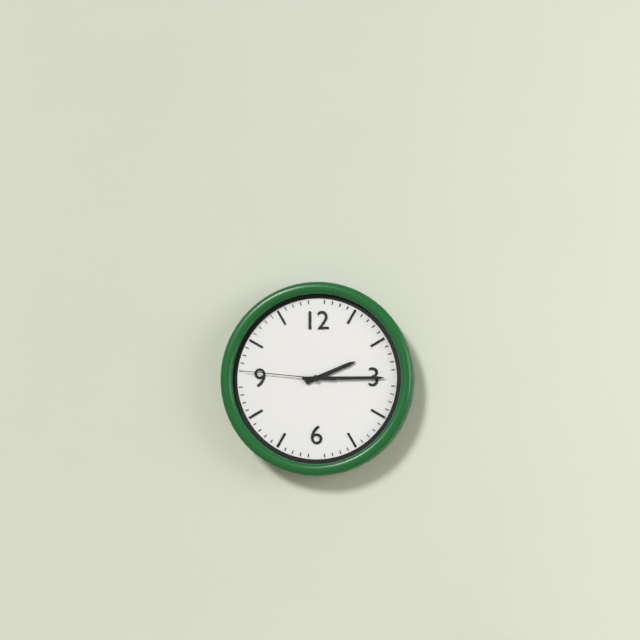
2:15:46
